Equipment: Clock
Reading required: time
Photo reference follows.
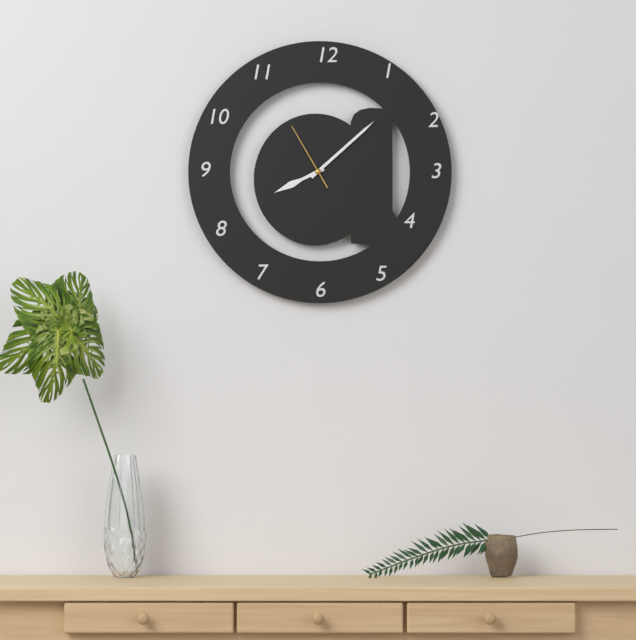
8:08:55
